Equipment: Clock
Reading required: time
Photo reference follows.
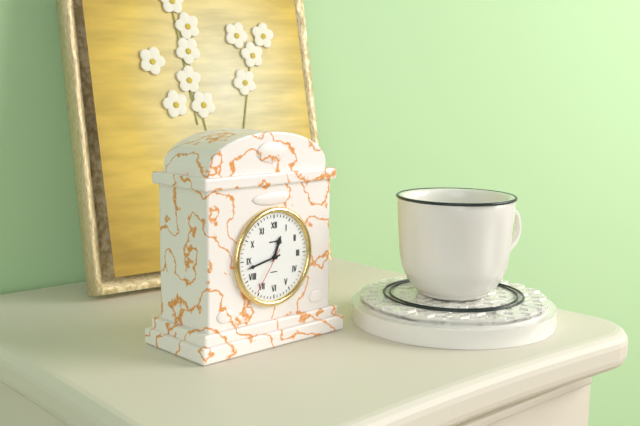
12:43
